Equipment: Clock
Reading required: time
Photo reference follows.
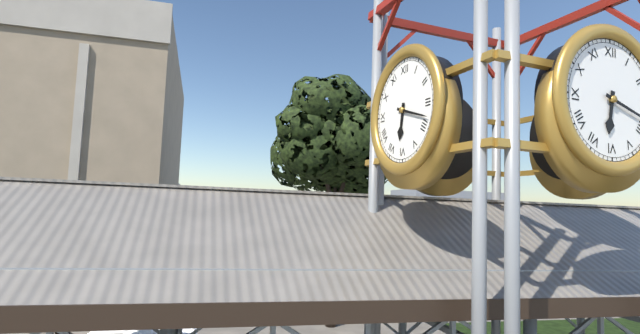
6:18
